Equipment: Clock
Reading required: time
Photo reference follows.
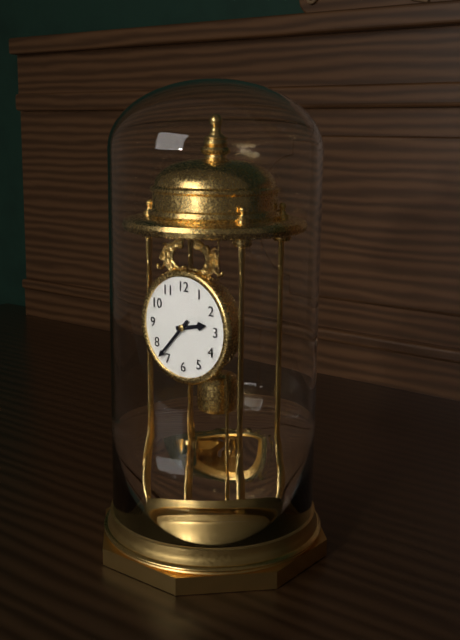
2:37
